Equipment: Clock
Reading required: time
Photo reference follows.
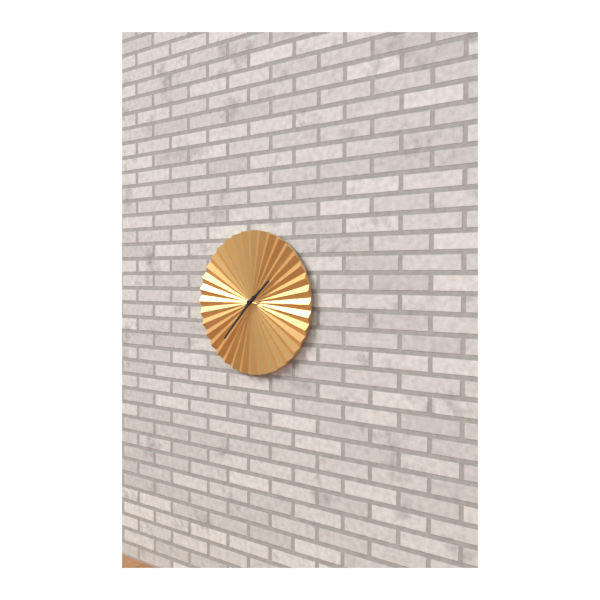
1:37
